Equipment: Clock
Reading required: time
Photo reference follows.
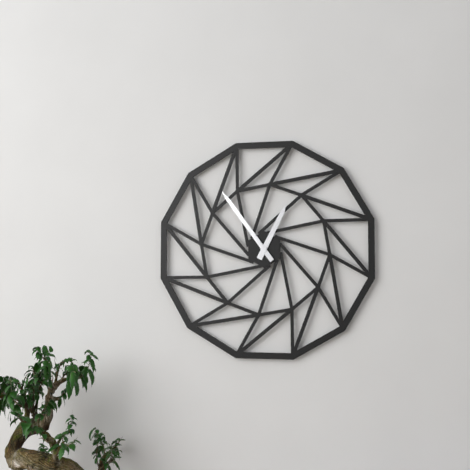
12:54
